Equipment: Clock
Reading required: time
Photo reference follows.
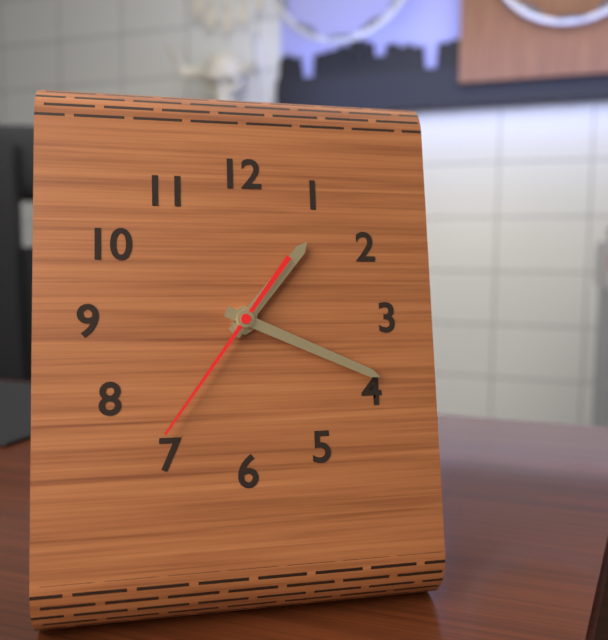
1:19:36
